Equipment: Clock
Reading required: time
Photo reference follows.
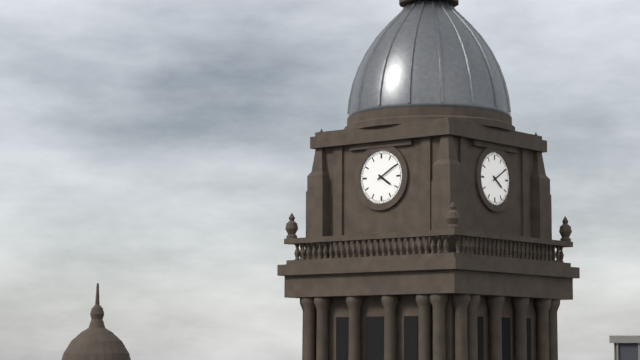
4:10
